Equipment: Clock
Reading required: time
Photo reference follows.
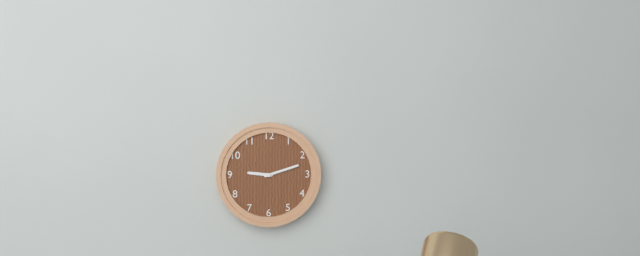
9:12
